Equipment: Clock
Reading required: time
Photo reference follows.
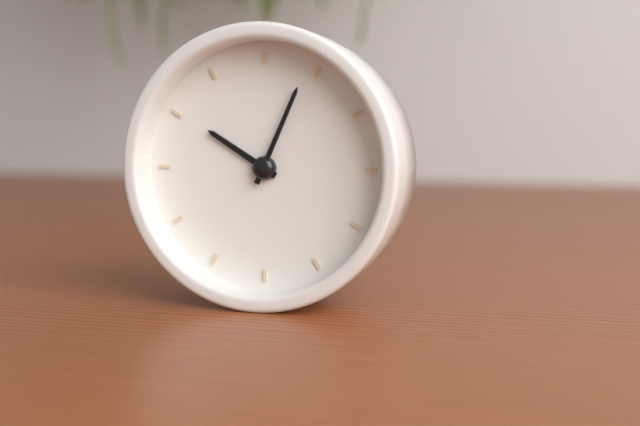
10:04
